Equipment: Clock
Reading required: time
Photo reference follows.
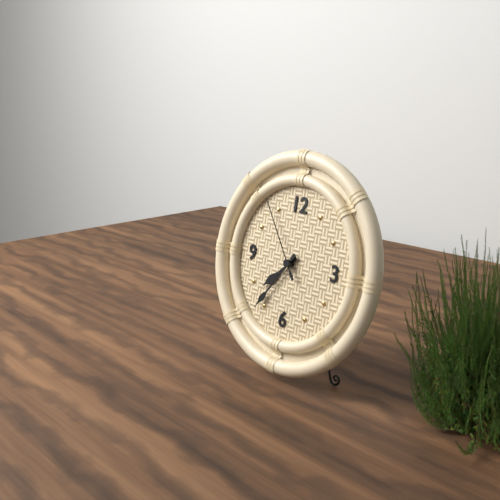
7:36:54
